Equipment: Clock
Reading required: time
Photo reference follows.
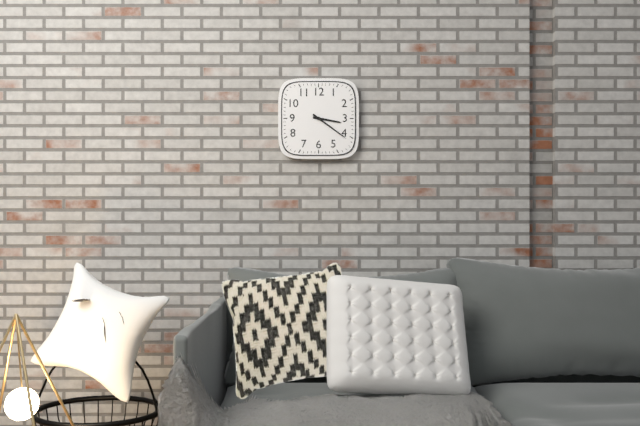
3:21
